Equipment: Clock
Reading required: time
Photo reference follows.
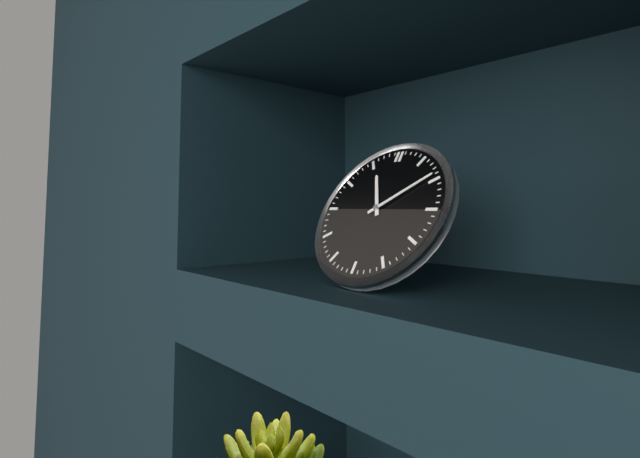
11:09
